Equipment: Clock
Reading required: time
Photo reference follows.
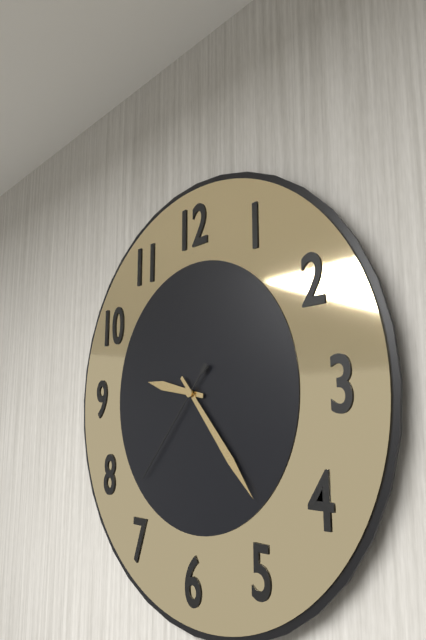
9:23:37
